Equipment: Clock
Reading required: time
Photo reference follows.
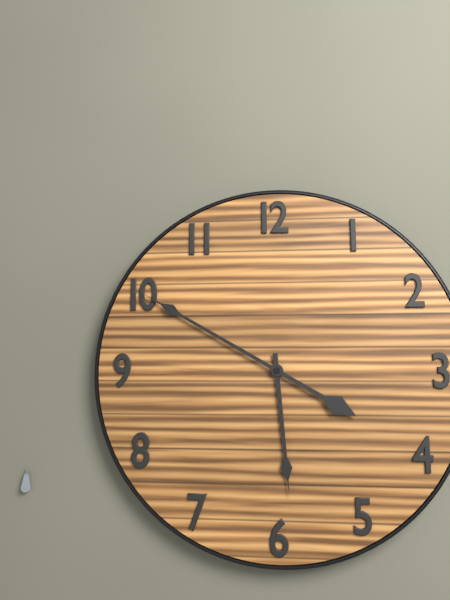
5:50
